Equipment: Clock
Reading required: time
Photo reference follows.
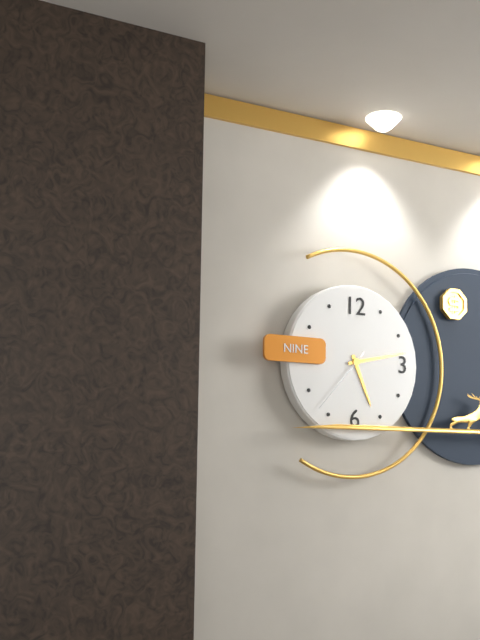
5:13:37
